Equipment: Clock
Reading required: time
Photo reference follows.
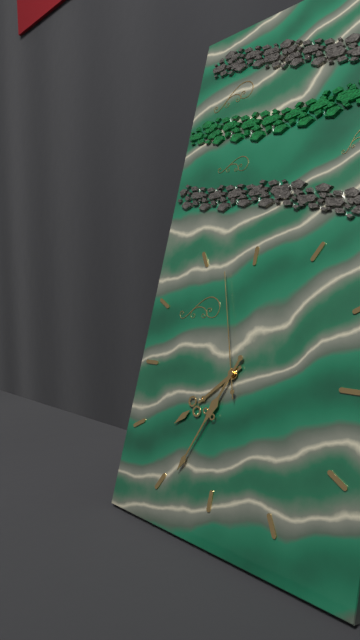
7:34:57
